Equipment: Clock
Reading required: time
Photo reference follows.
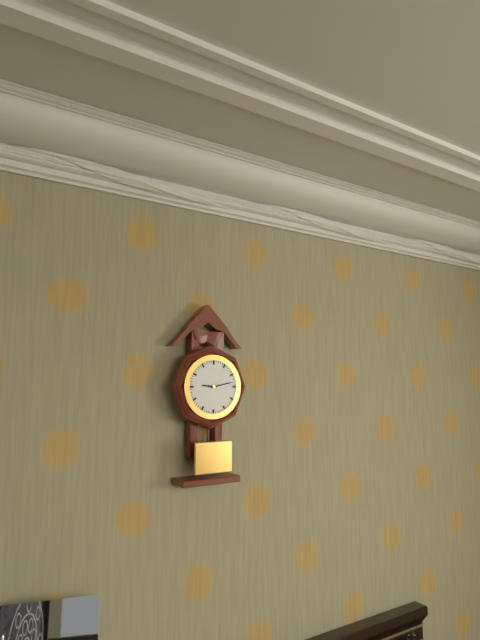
9:13
